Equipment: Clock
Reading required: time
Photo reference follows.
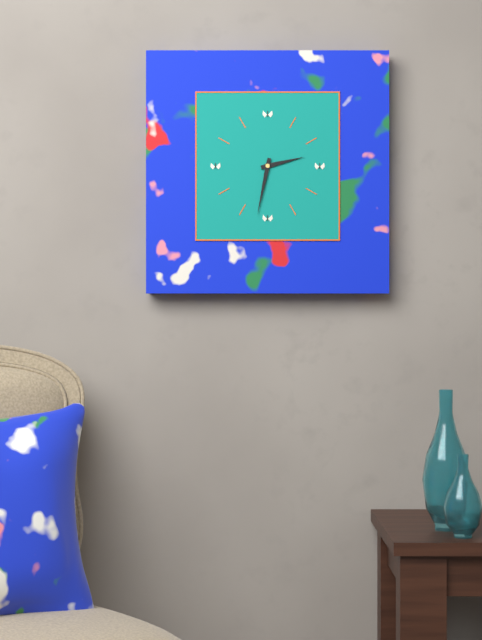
2:32
